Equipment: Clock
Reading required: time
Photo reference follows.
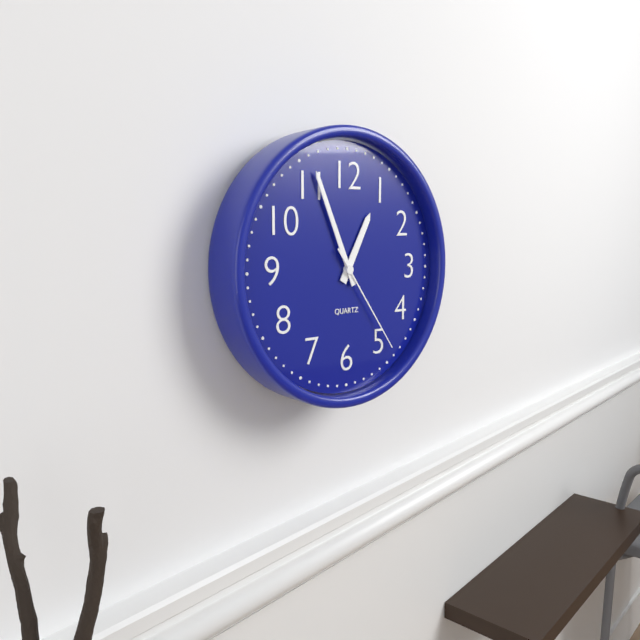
12:56:24
